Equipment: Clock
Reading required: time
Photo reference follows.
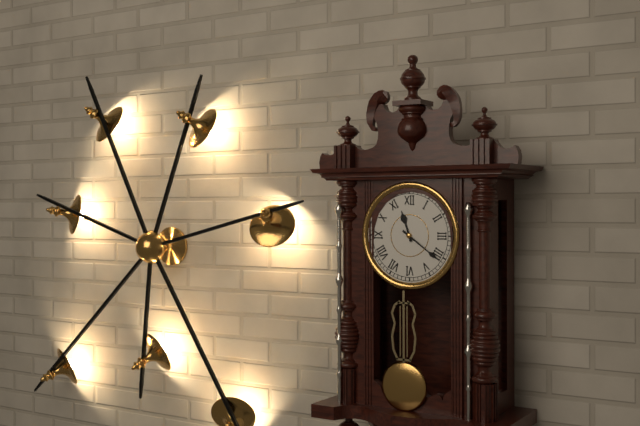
11:21
